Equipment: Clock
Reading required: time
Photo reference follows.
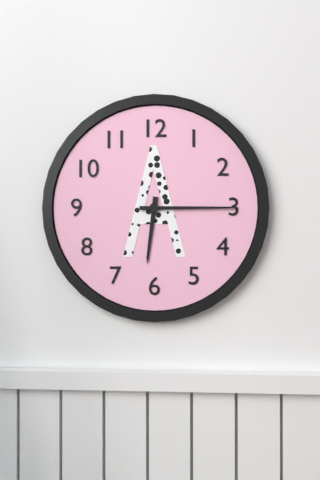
6:15
